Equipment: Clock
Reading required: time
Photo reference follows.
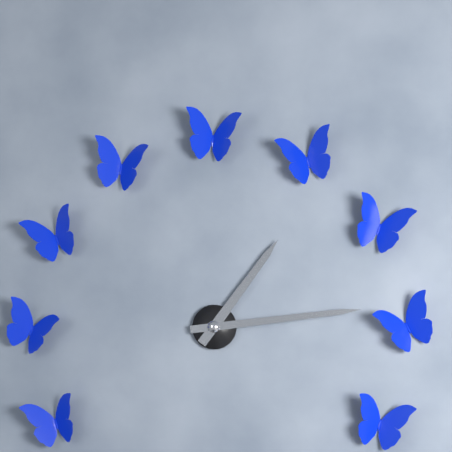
1:14
